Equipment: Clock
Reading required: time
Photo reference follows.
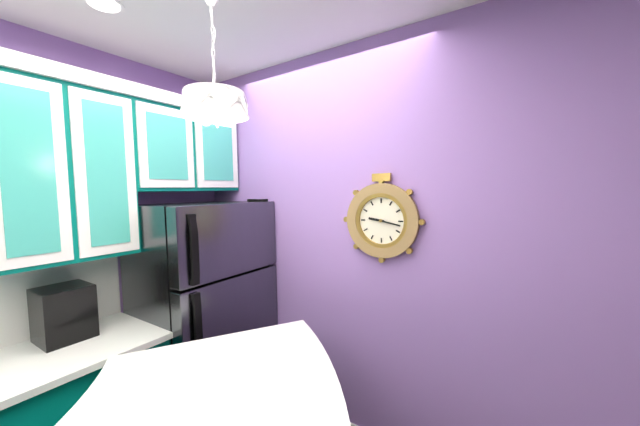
9:17
